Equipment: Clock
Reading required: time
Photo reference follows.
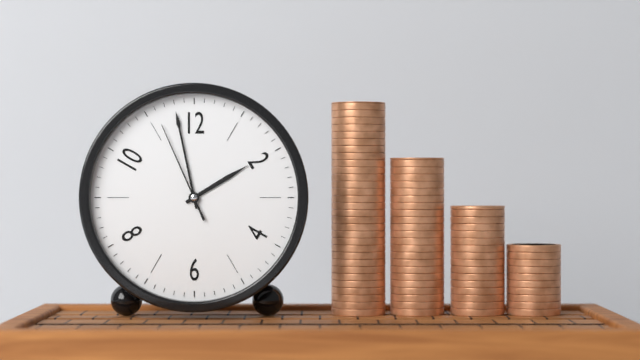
1:58:56
